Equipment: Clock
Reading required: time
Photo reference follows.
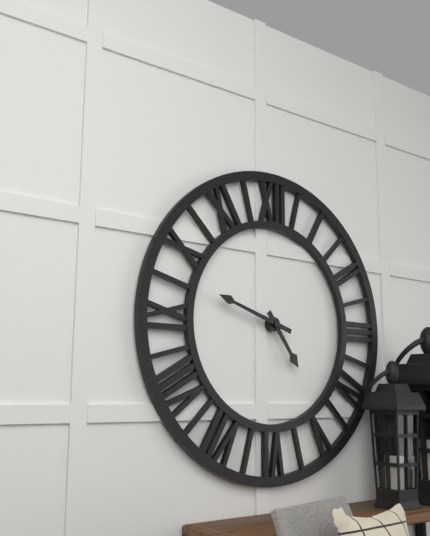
4:48
